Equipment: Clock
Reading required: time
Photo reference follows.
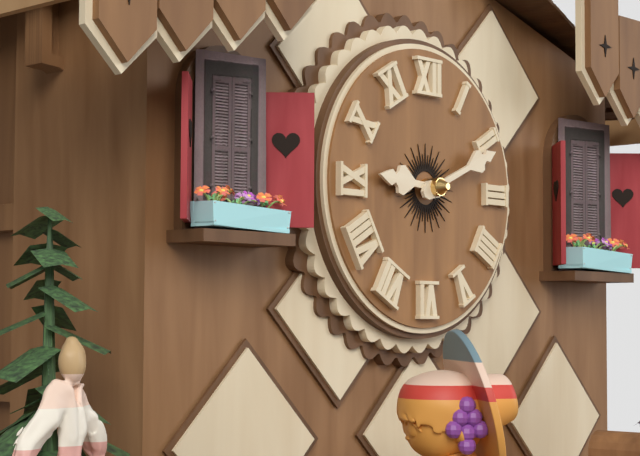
9:11
